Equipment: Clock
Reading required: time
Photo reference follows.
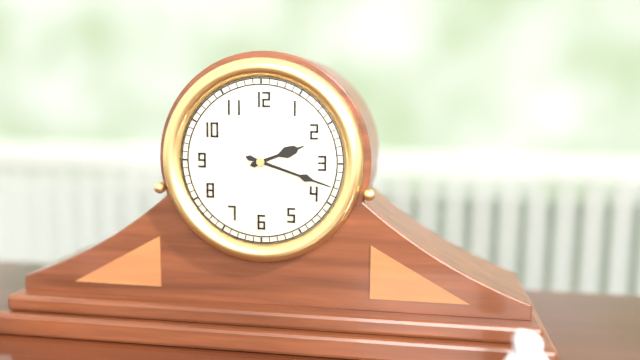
2:18
